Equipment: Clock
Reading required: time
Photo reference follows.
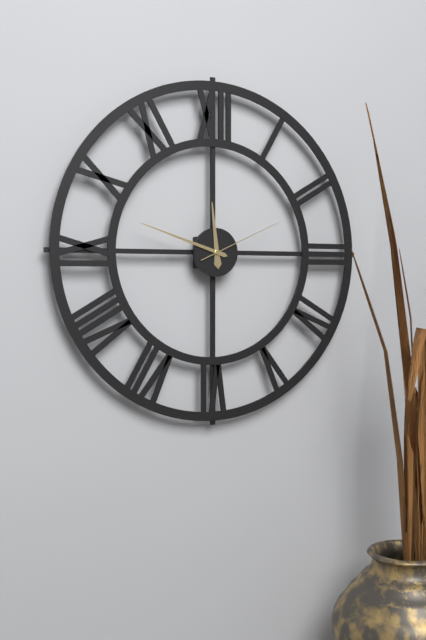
11:48:11
